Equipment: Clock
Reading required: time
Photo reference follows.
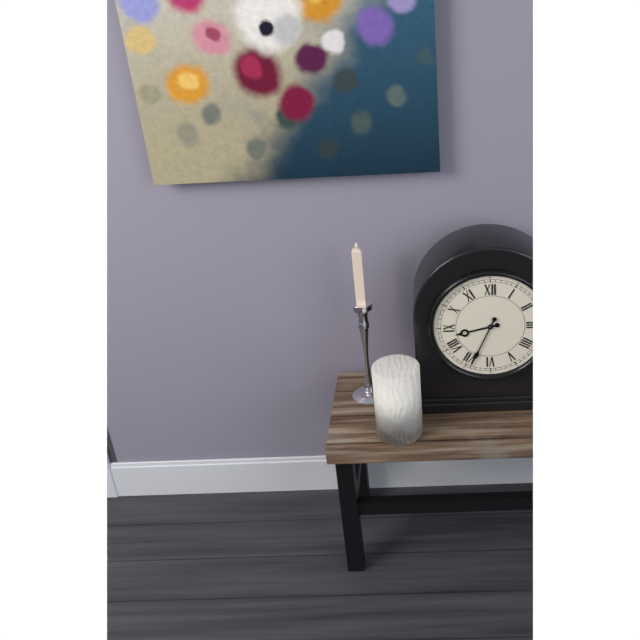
8:34
